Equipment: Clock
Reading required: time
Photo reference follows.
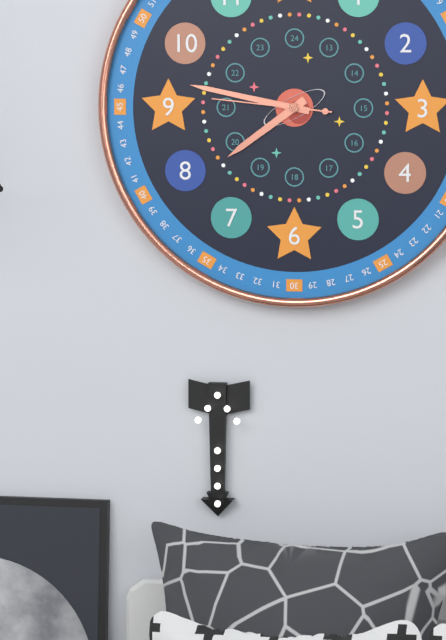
7:47:46
